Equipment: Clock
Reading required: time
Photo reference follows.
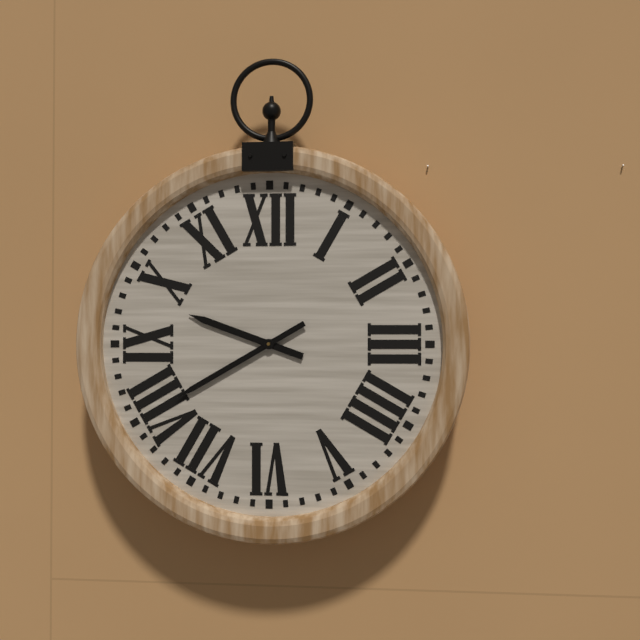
9:40
